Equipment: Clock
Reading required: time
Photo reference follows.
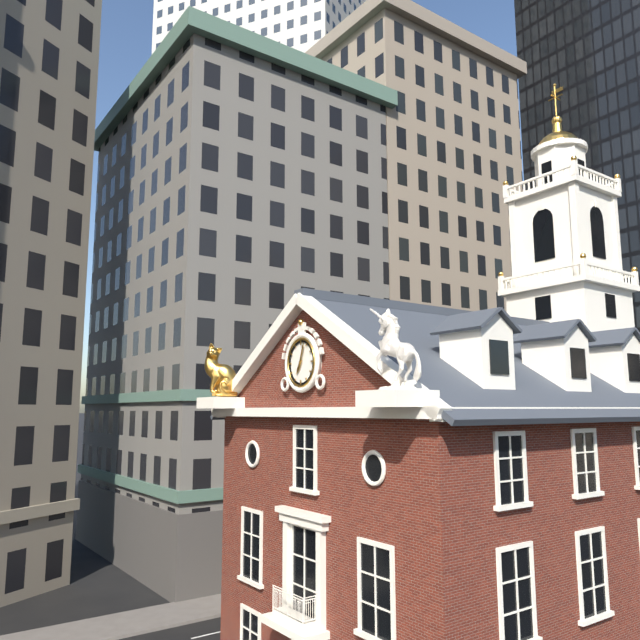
7:03
